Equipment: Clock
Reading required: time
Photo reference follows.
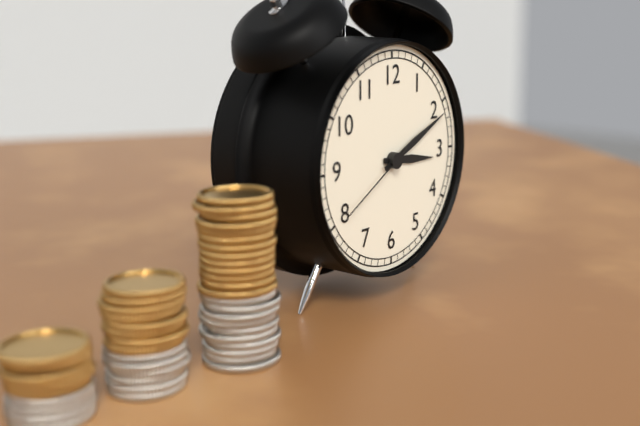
3:11:40
